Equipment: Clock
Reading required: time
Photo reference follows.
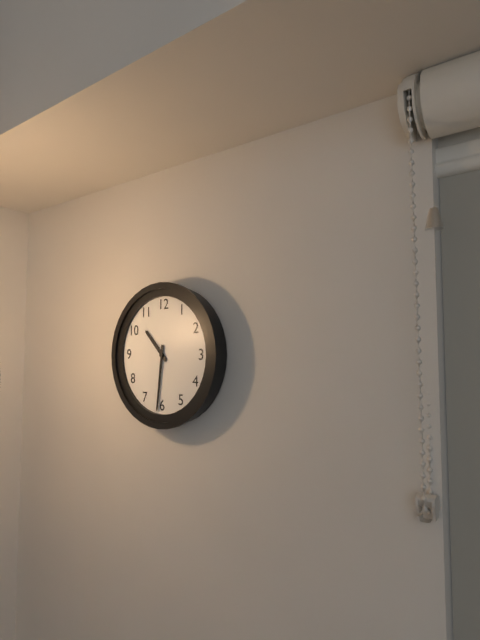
10:31
